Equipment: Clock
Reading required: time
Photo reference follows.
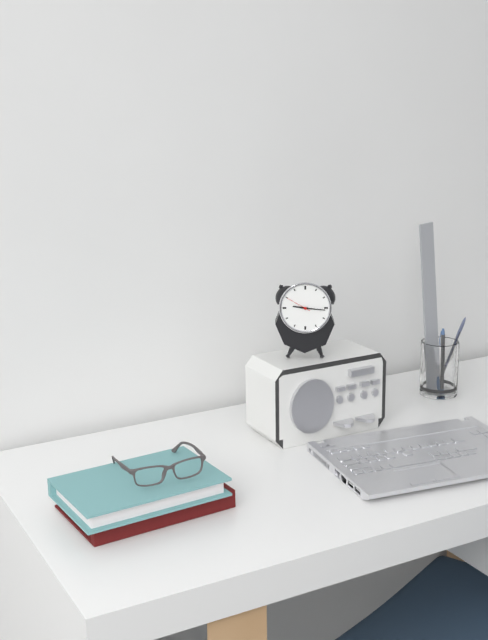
9:16
